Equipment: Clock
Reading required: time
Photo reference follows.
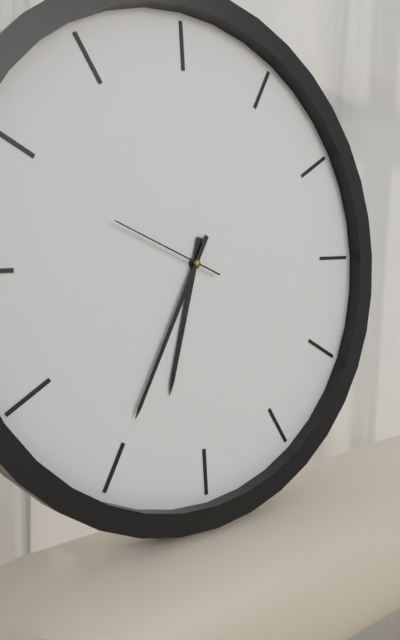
6:35:49
